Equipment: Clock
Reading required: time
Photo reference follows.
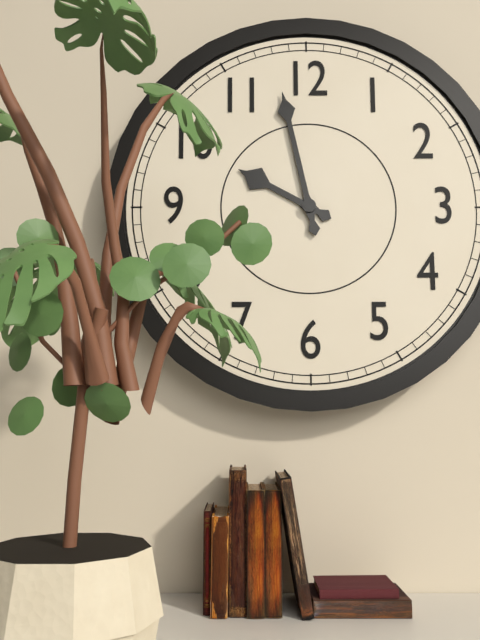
9:58
